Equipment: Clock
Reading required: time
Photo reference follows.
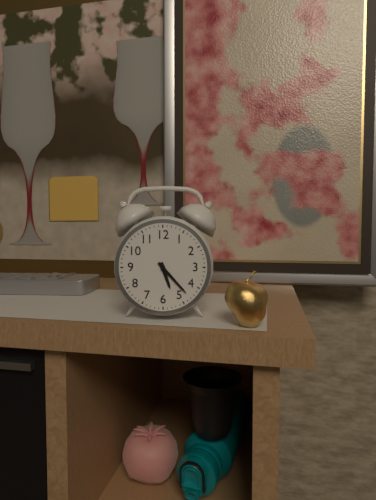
5:23
